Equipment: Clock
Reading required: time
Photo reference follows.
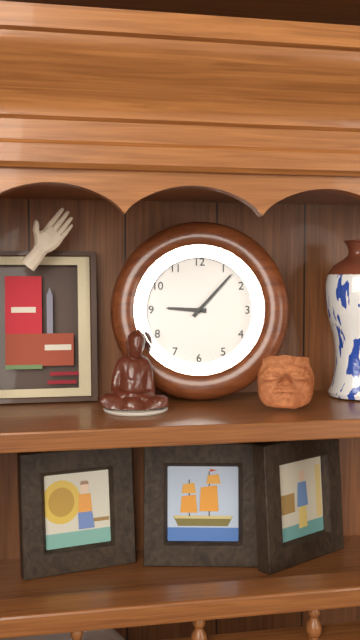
9:07
